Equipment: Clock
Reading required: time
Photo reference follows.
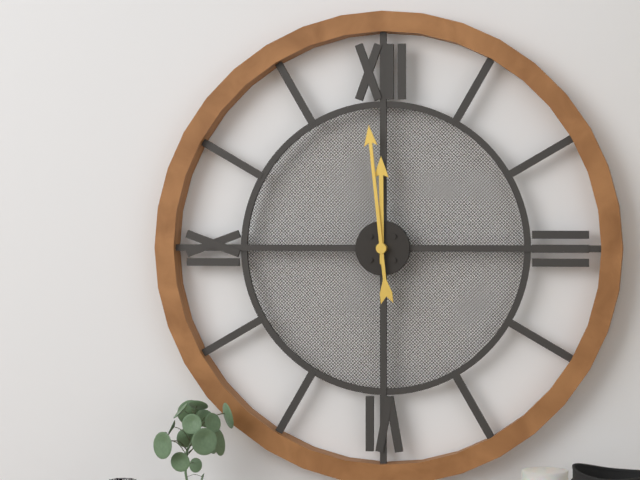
11:59
